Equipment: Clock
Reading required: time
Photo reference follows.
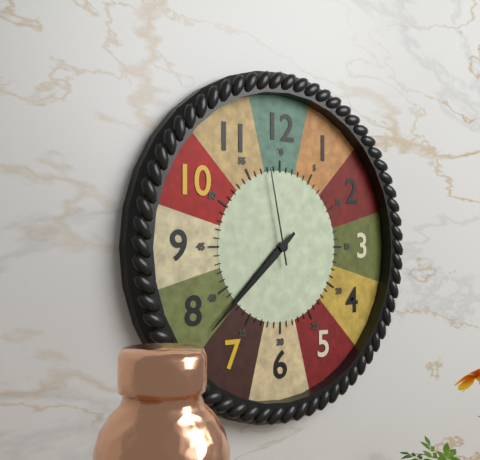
7:38:58
